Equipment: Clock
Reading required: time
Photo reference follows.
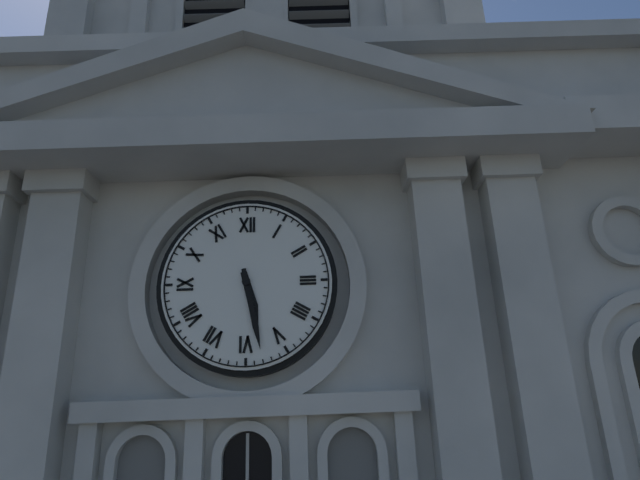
5:28
